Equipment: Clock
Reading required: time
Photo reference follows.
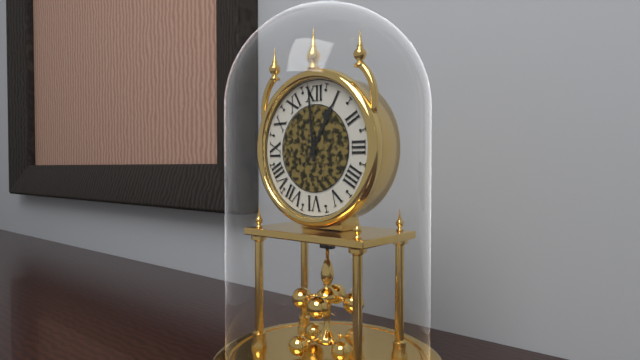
12:59
